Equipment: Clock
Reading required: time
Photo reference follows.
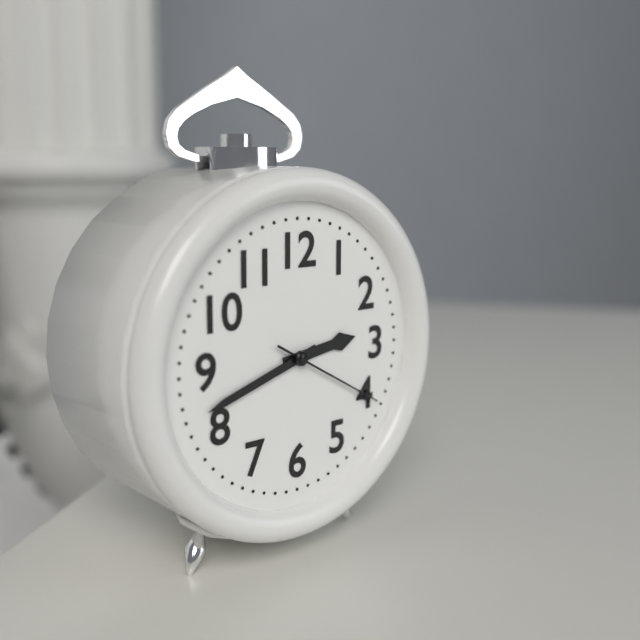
2:42:20
